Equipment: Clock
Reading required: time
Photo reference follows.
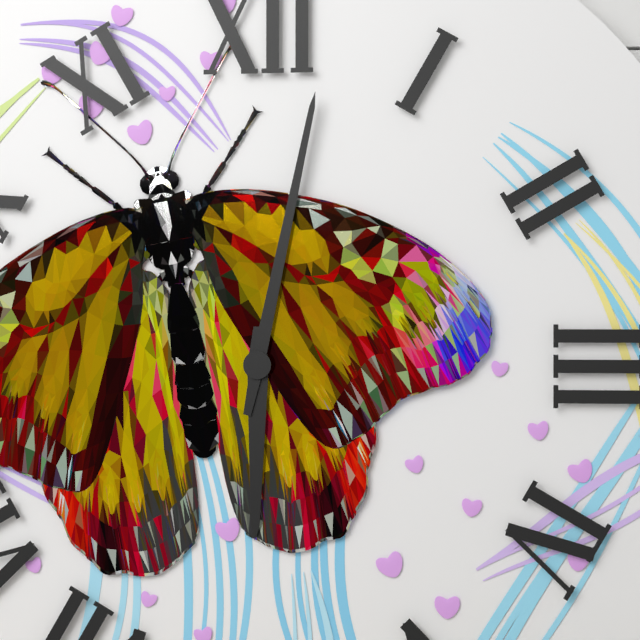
6:02
